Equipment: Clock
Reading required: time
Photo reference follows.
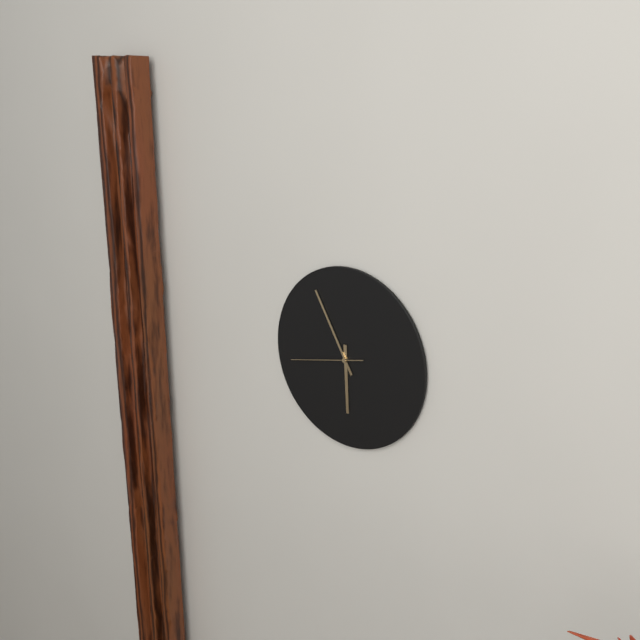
5:55:43
